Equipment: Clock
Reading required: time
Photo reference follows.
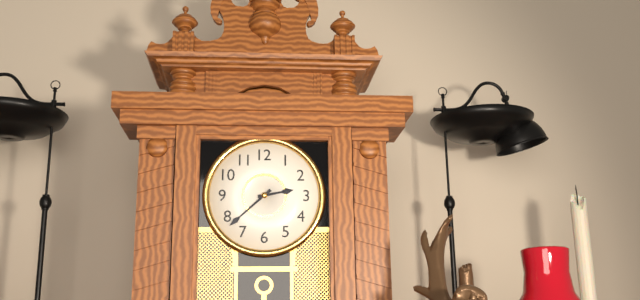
2:38
